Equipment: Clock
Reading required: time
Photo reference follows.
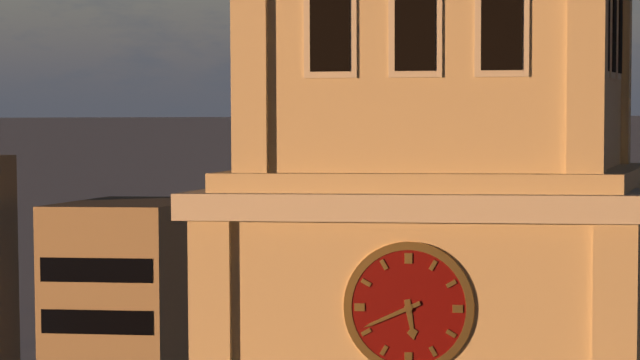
5:41
